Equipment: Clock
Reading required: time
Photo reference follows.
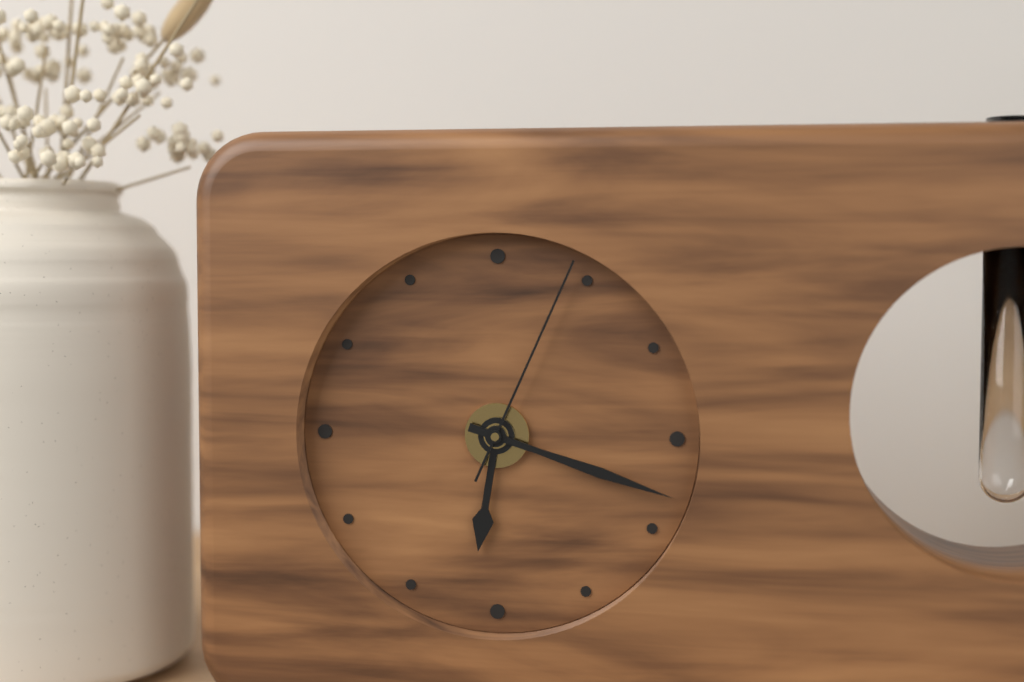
6:18:04
